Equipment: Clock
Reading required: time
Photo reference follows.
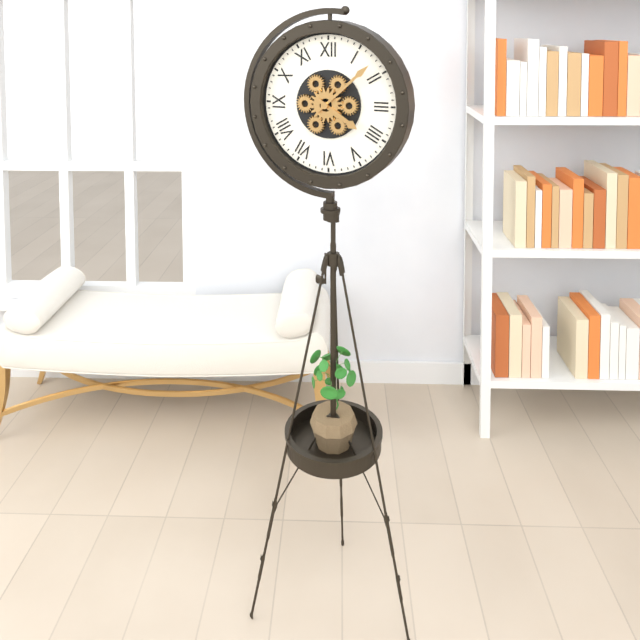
4:08
